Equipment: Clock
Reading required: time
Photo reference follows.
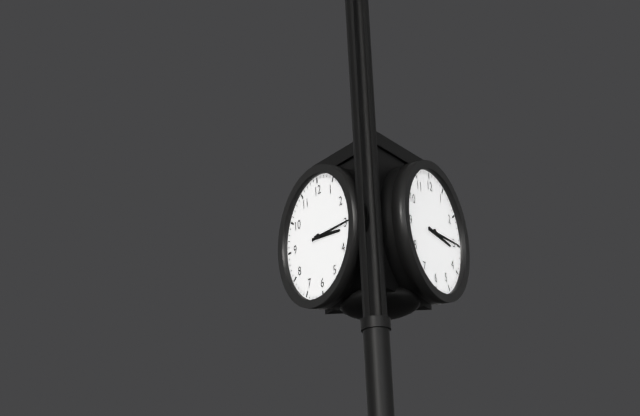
3:15
